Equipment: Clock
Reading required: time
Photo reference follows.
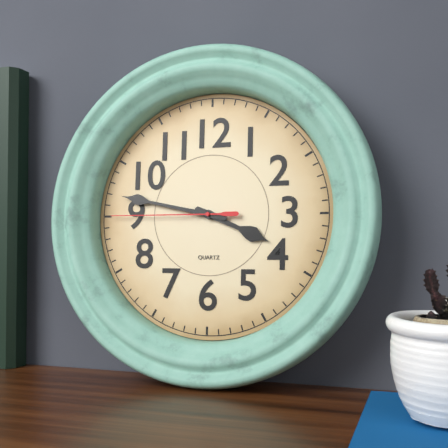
3:47:45
